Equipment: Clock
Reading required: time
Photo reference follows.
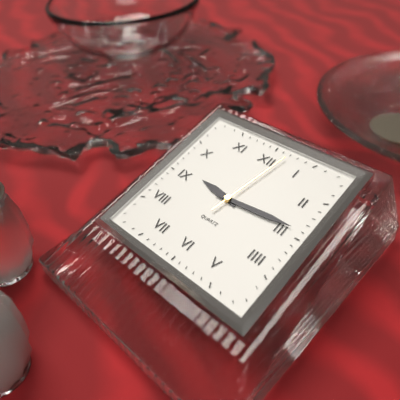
9:14:02
